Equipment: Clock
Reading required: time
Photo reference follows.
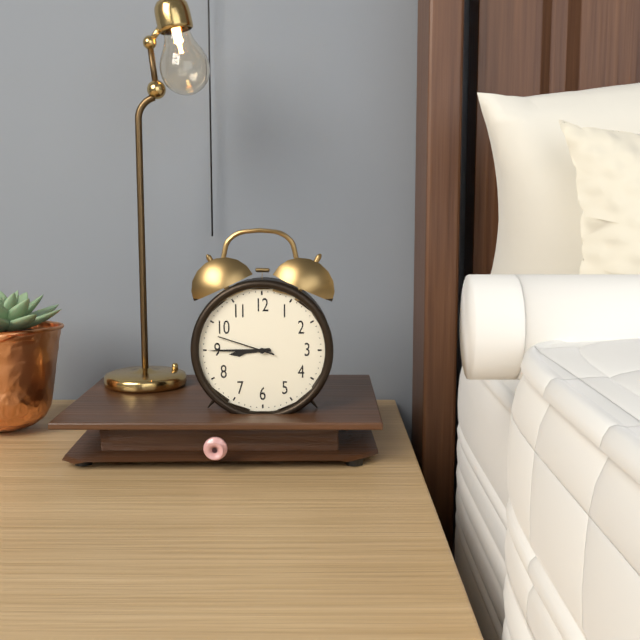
8:45:48
